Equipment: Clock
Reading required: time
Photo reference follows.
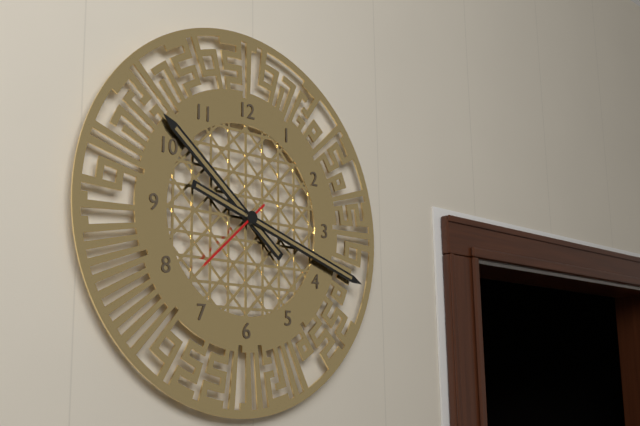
10:18:38
